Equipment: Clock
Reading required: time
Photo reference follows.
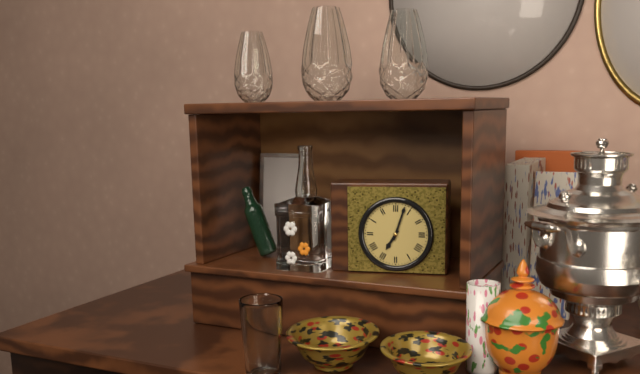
7:03
